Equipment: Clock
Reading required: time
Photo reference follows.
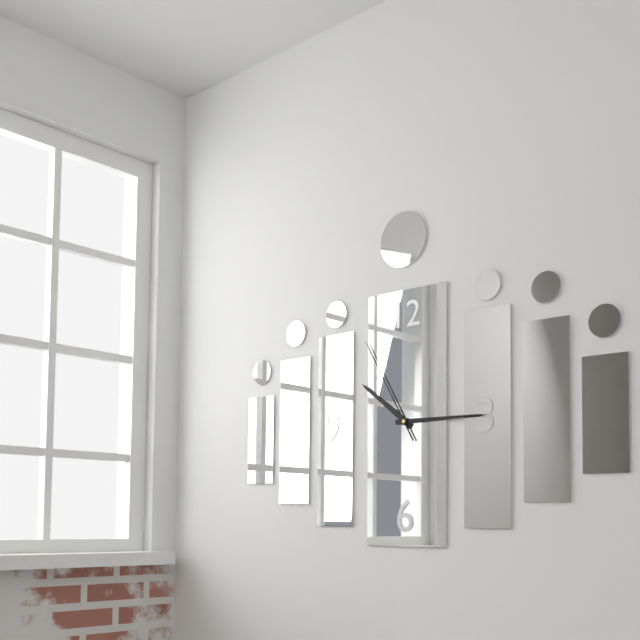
10:15:55
